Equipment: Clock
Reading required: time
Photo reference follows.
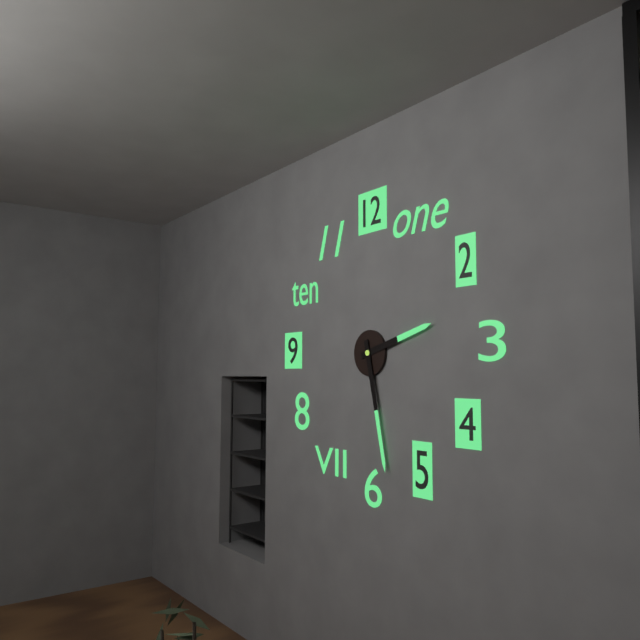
2:28
